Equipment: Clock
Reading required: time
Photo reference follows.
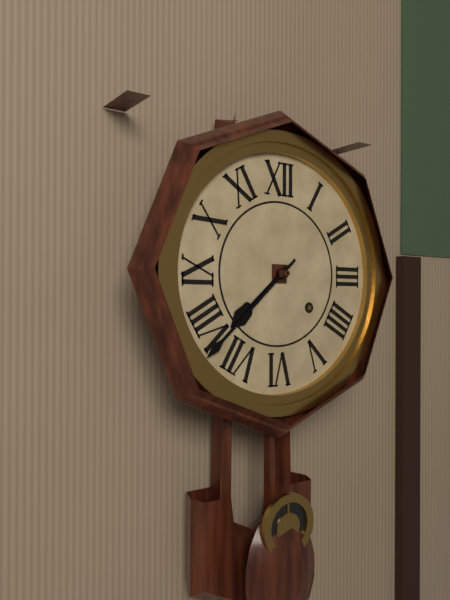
7:38
